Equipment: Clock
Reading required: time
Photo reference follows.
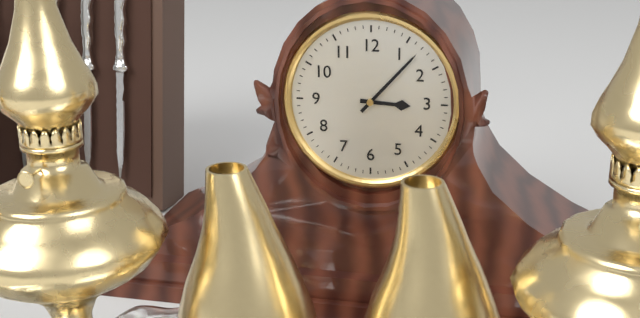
3:07
